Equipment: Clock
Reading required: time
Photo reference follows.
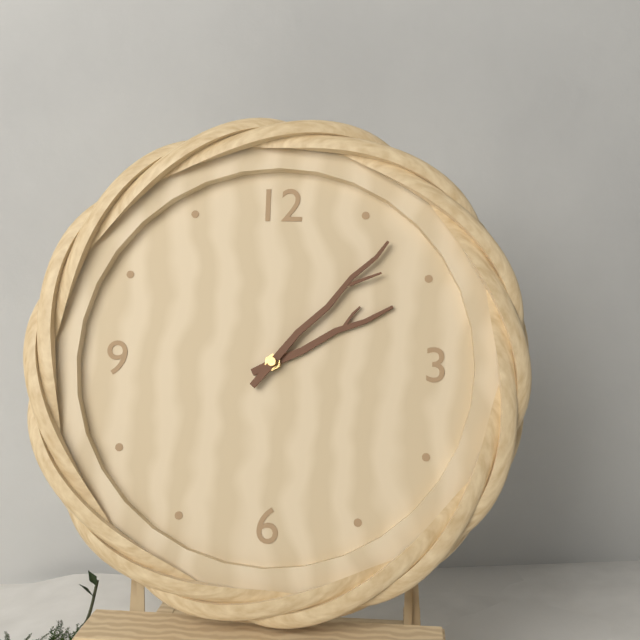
2:07
